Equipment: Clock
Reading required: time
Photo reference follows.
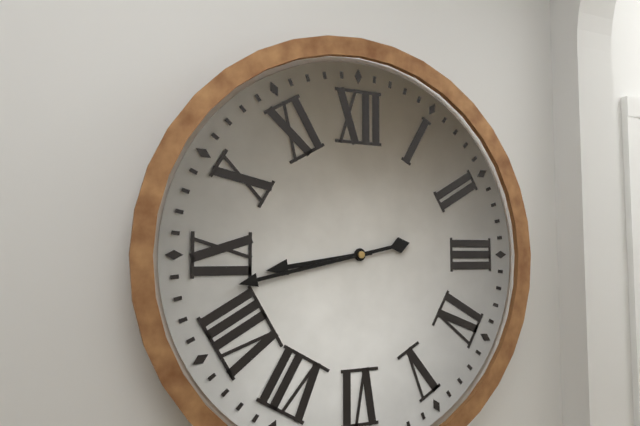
8:43
